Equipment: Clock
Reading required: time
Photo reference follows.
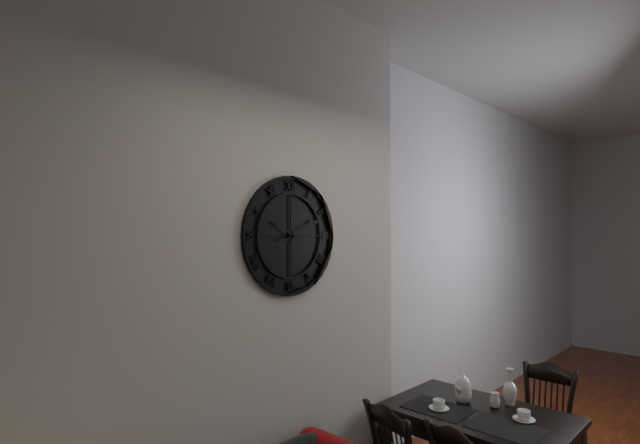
10:11
